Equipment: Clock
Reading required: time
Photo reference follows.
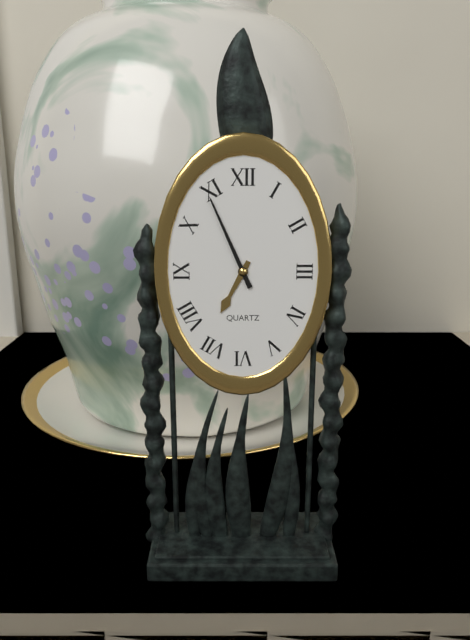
6:56
